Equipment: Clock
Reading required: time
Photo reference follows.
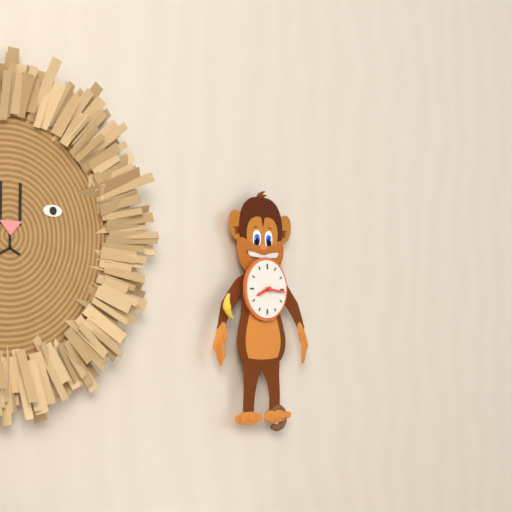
8:16
